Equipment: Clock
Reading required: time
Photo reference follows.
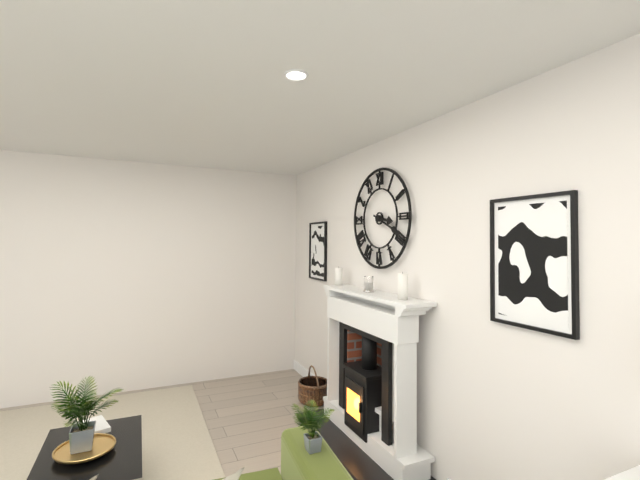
3:19
